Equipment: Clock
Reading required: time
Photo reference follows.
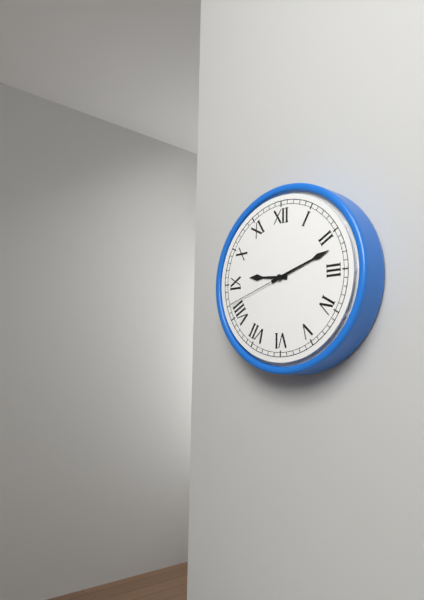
9:12:42
